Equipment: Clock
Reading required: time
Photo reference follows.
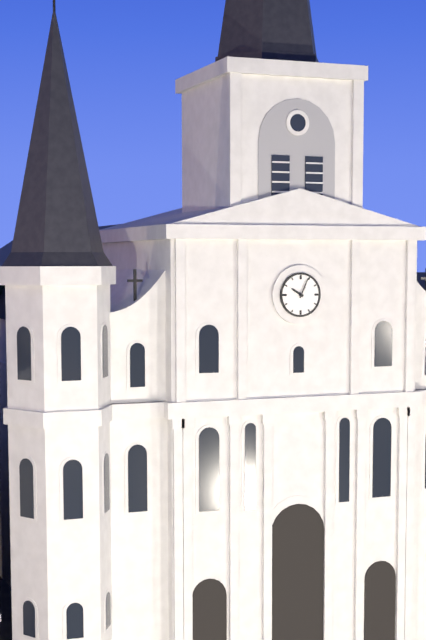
10:04
